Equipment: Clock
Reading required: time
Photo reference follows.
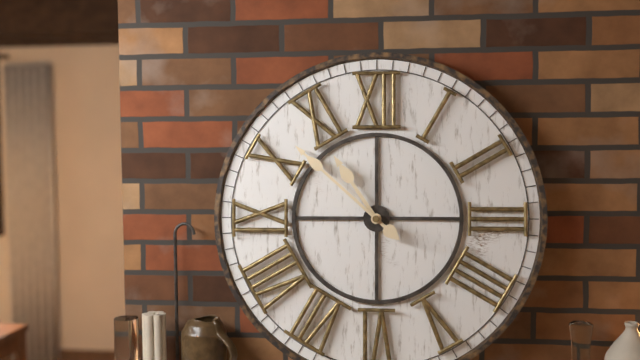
10:52
